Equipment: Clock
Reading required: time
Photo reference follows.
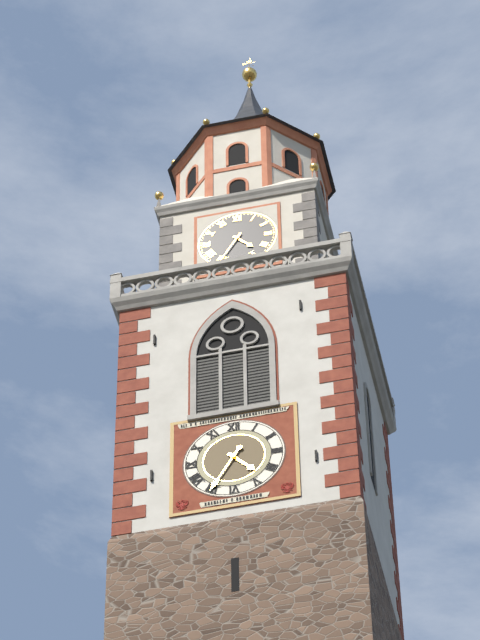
4:35
